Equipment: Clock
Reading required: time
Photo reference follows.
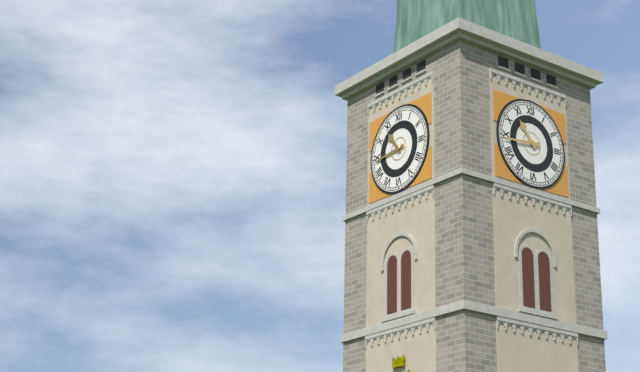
10:44
